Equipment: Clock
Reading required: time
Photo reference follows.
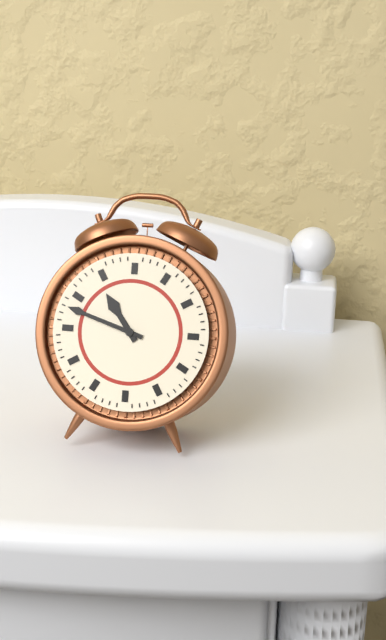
10:48
